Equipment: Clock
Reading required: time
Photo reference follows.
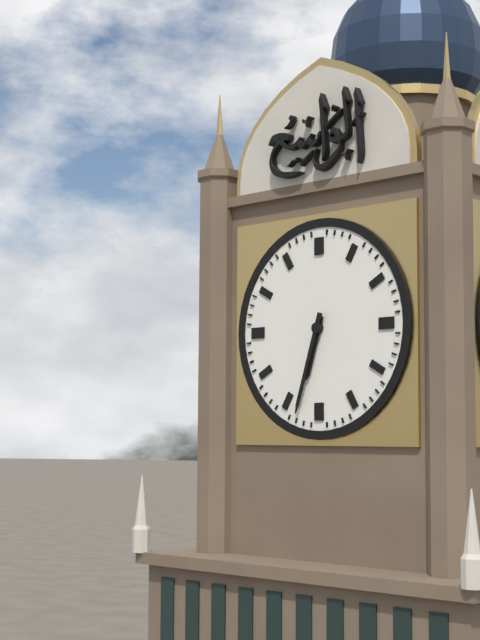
6:33
